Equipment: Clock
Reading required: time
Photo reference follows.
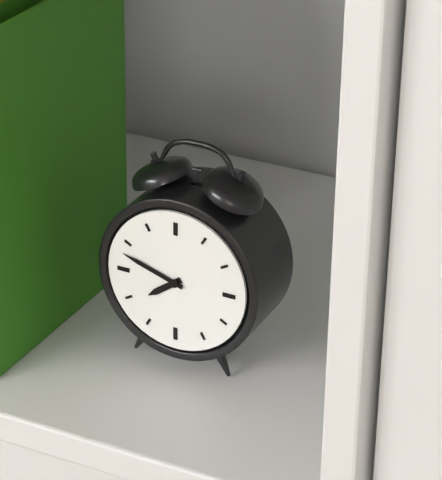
7:48
